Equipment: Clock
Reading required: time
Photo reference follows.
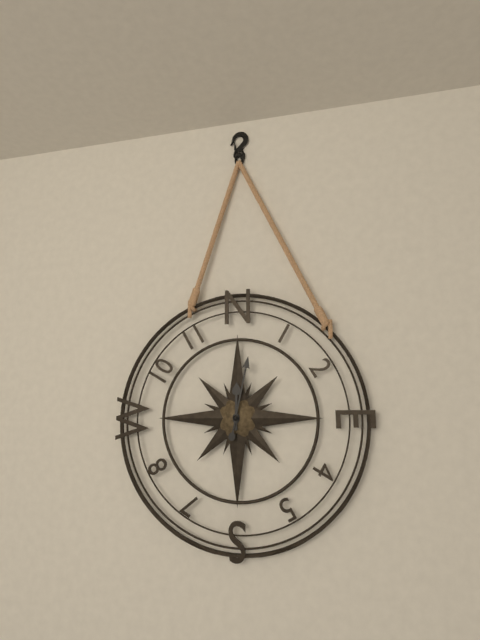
12:02
